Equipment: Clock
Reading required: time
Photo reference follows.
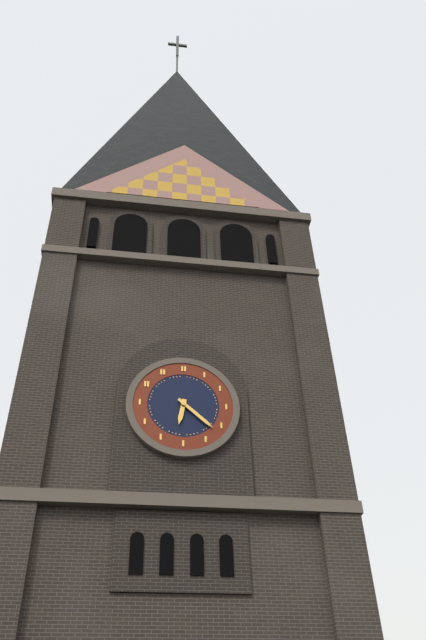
6:22
